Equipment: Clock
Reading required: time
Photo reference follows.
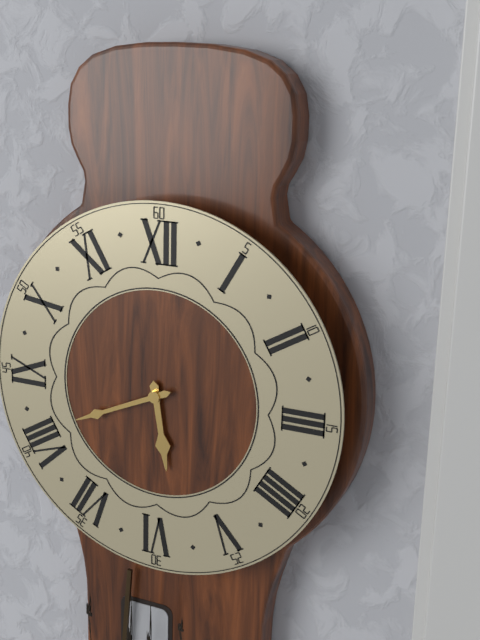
5:41
